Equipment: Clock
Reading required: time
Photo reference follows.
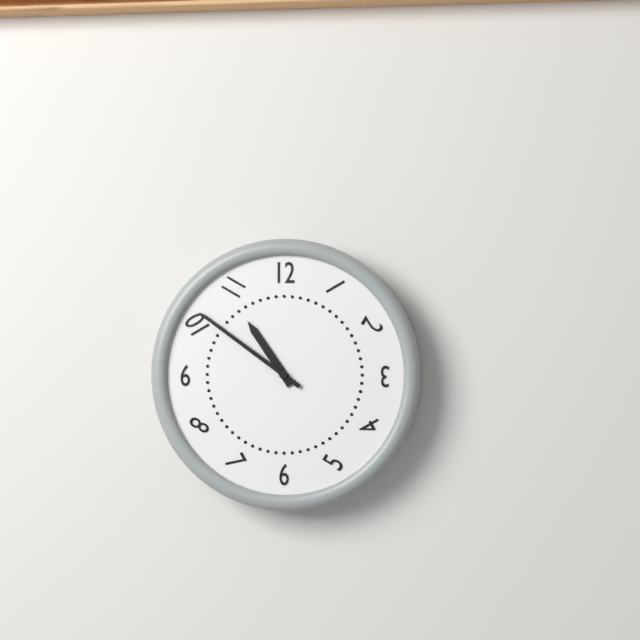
10:51
